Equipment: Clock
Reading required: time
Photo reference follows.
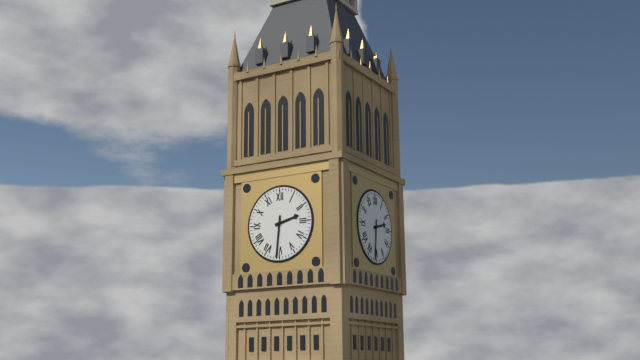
2:31
